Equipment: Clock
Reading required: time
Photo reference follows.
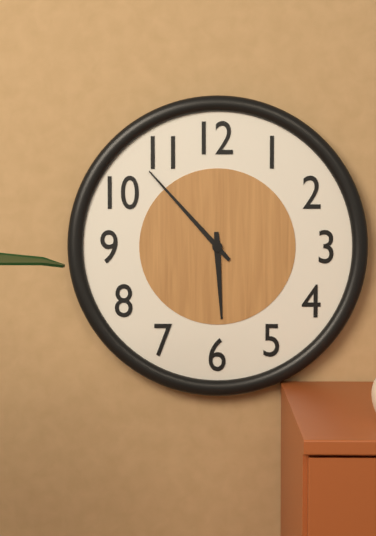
5:53
